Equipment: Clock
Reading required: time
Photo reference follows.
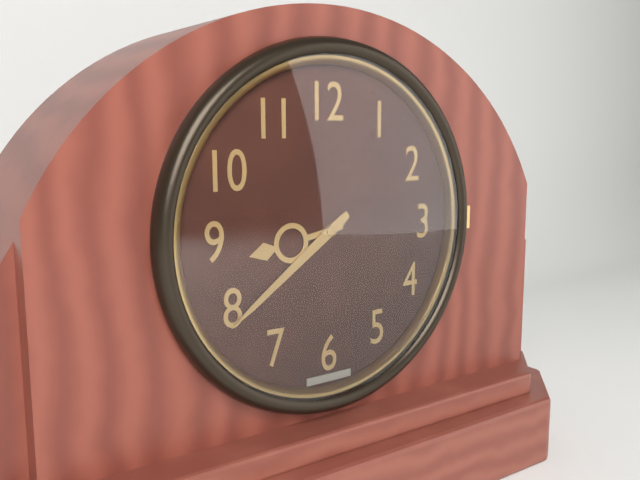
8:39
